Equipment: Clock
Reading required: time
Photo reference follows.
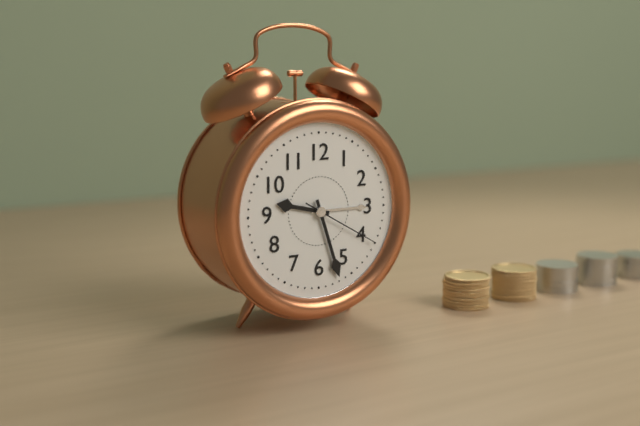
9:27:20
